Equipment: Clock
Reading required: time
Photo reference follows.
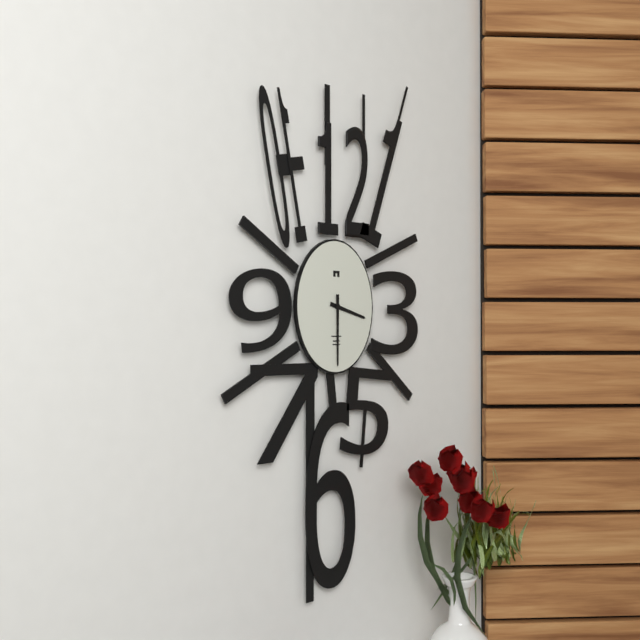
3:30
